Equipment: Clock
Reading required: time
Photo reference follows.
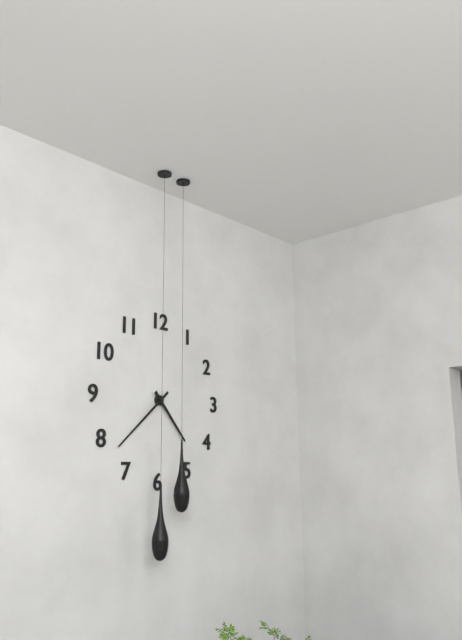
4:38
